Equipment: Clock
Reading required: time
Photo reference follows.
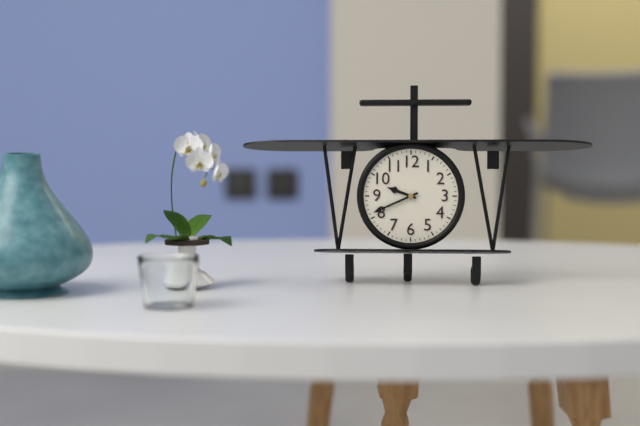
9:41
